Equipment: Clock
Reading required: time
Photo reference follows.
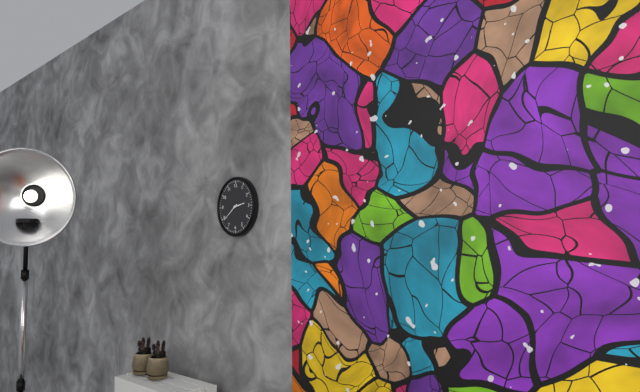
2:39
